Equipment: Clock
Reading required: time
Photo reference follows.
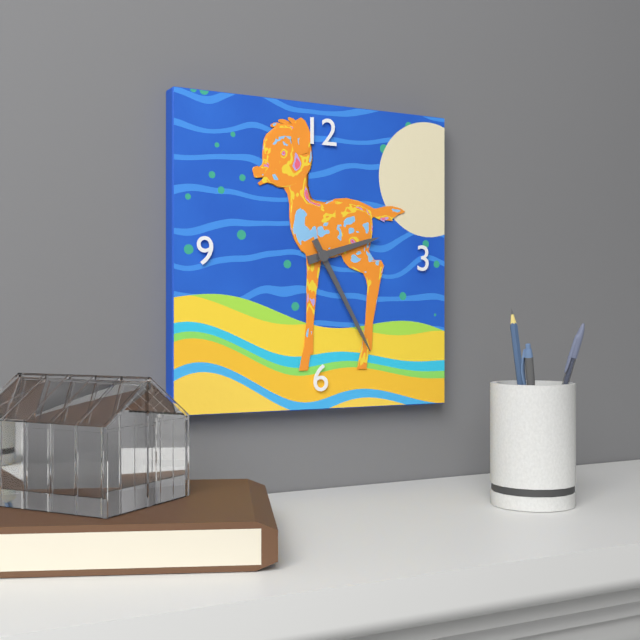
2:25
